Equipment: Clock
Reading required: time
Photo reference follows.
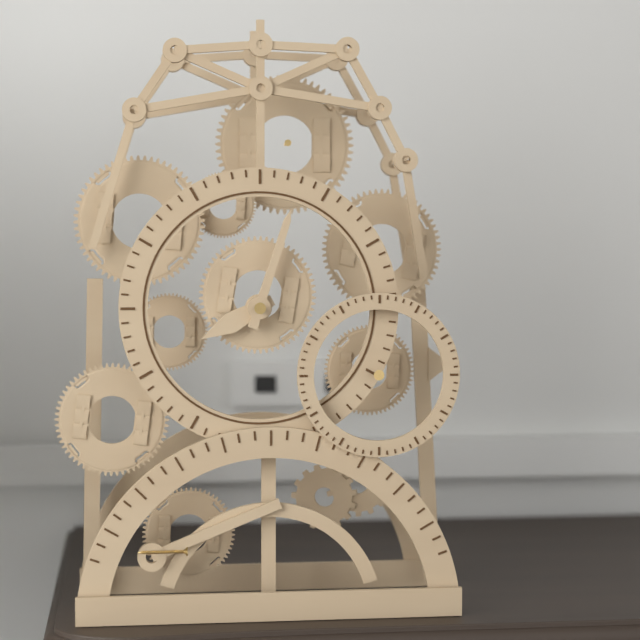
8:03
